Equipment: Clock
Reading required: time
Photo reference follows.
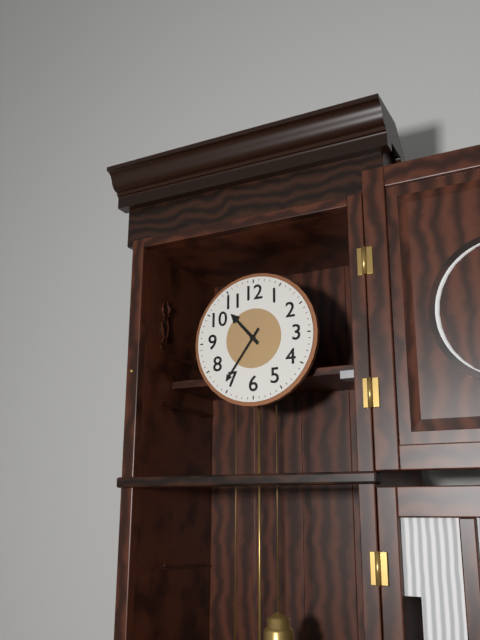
10:36
